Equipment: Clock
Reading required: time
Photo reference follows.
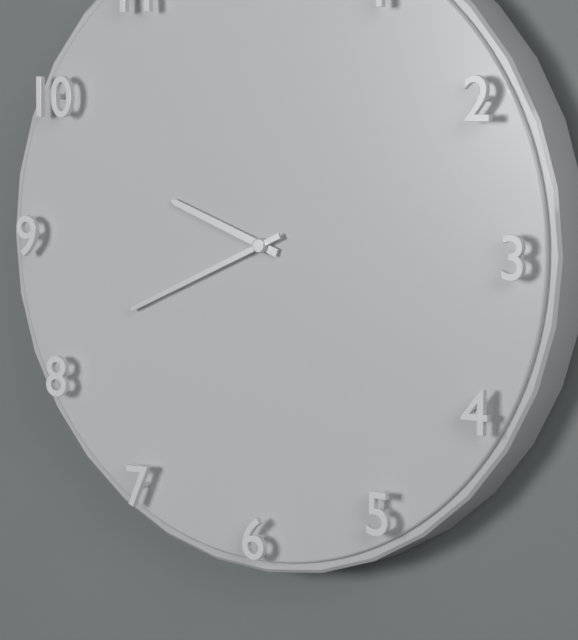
9:41
